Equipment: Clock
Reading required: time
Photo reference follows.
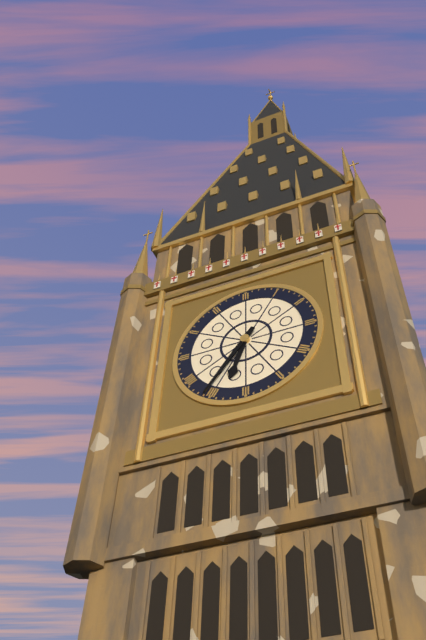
6:36
